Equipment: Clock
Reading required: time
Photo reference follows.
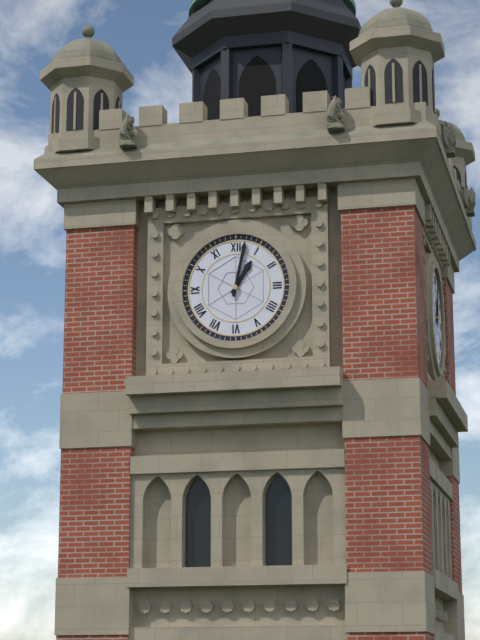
1:02
